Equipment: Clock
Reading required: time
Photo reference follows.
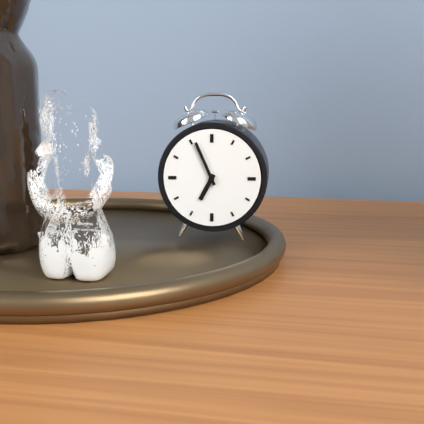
6:56
